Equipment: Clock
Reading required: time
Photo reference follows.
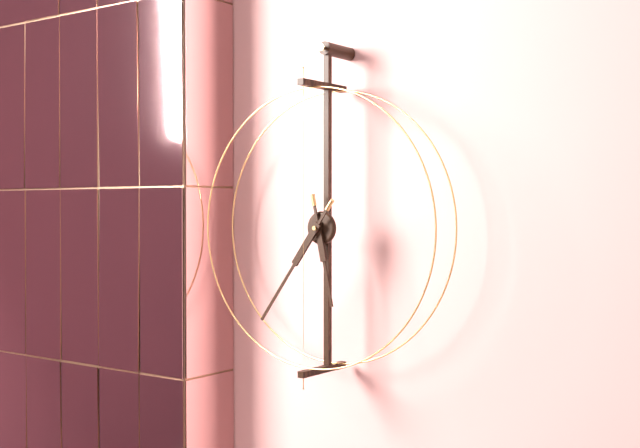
5:36
